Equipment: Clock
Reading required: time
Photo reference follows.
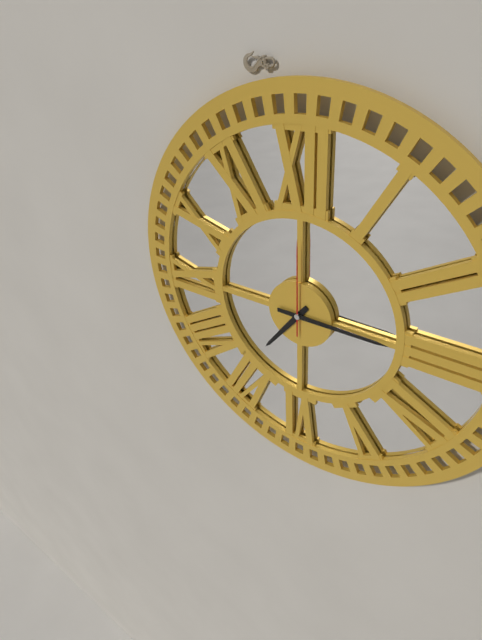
7:15:00
